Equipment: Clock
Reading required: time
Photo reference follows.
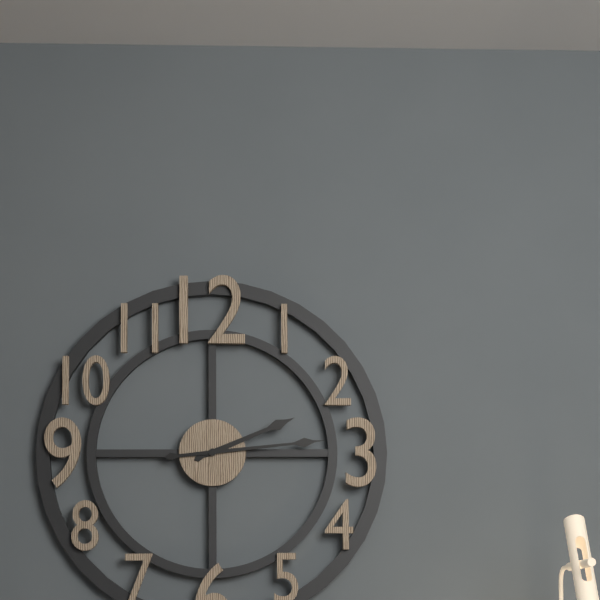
2:14
